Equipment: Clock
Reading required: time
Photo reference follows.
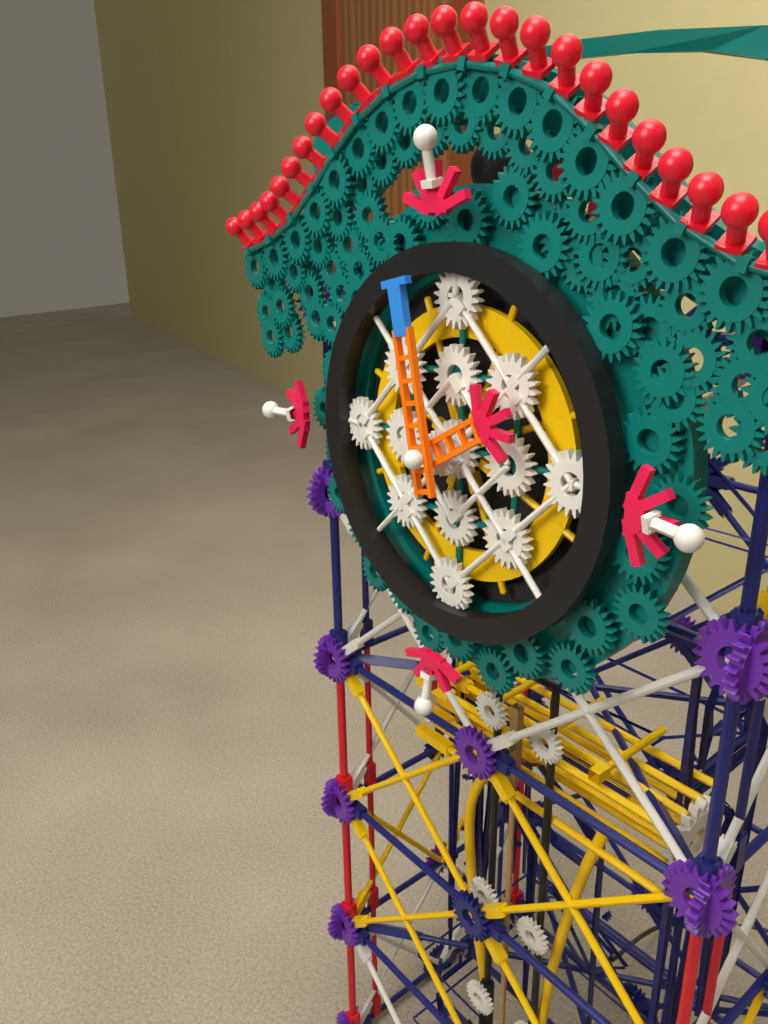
1:58
